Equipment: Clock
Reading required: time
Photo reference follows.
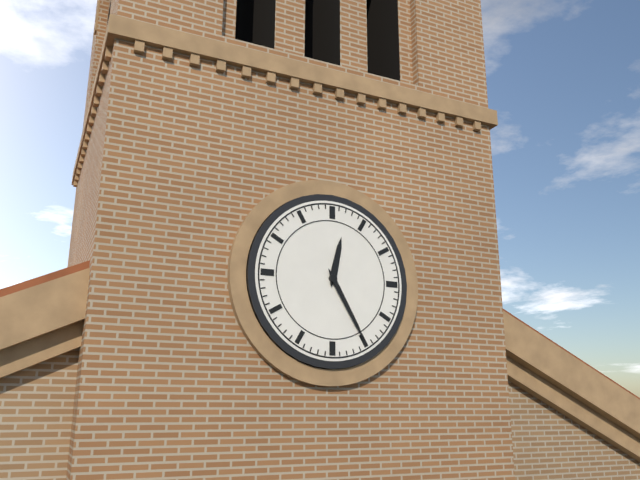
12:25
